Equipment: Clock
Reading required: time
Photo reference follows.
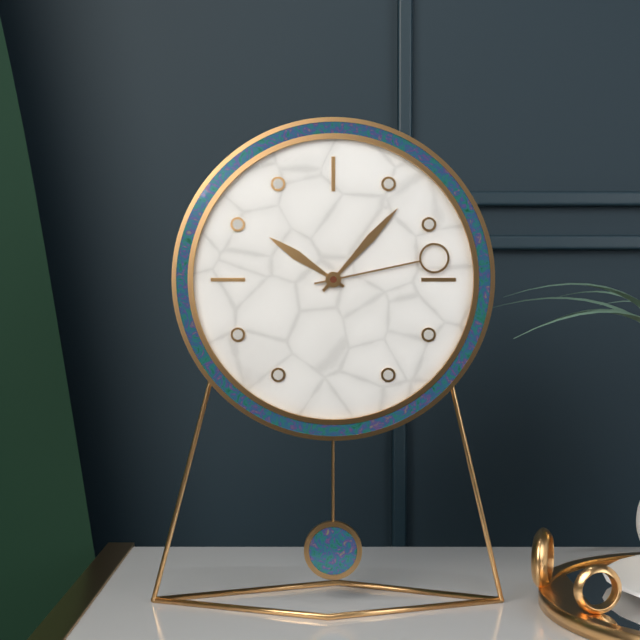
10:07:13
